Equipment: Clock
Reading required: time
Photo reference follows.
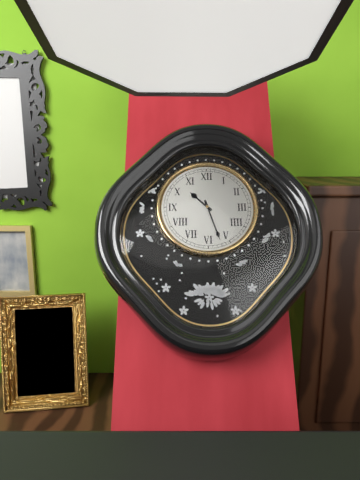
10:27
